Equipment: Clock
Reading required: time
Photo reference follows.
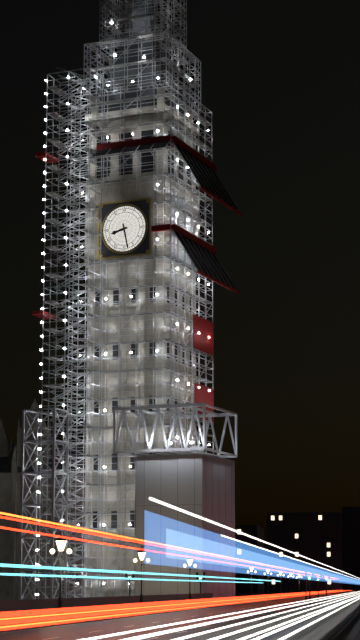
8:28
